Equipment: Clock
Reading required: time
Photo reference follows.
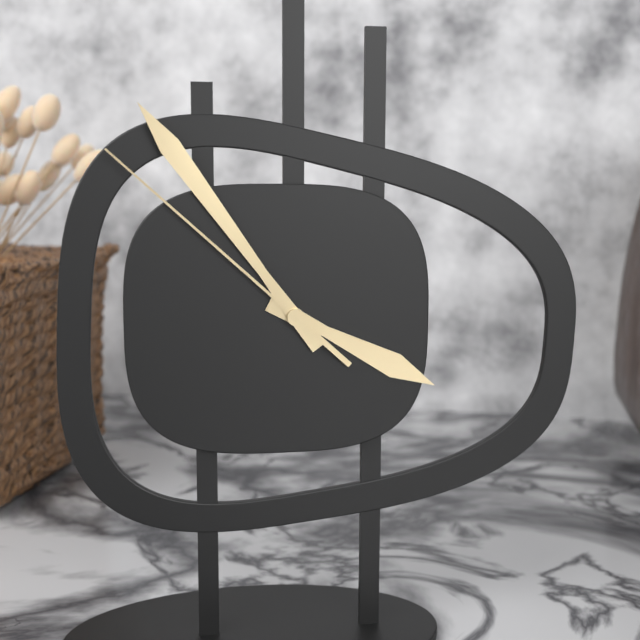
3:54:52
